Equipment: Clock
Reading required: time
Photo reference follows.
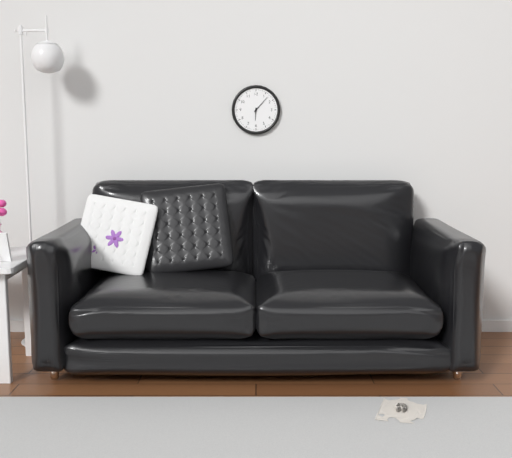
6:07
